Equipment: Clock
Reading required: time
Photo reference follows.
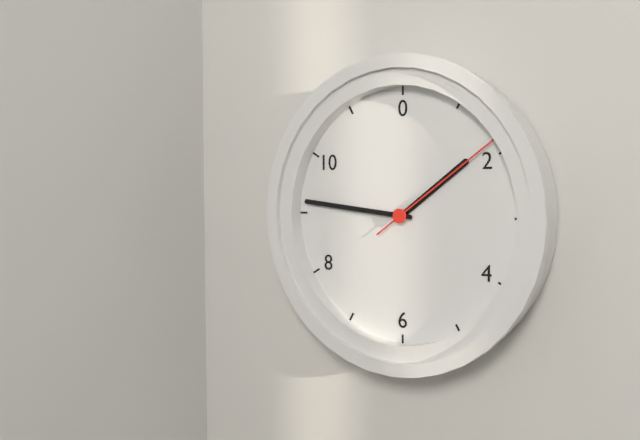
1:46:09
